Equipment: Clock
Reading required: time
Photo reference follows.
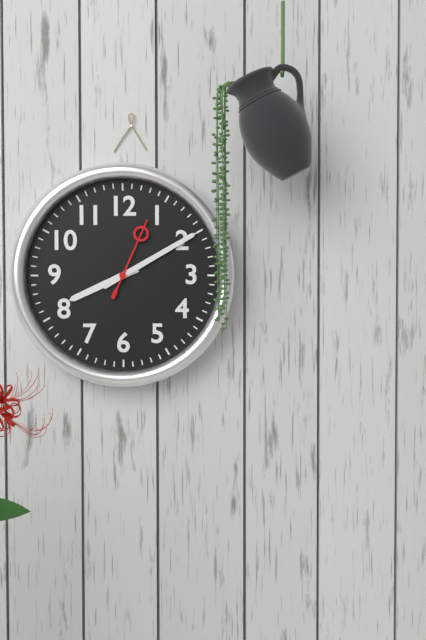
8:10:04
